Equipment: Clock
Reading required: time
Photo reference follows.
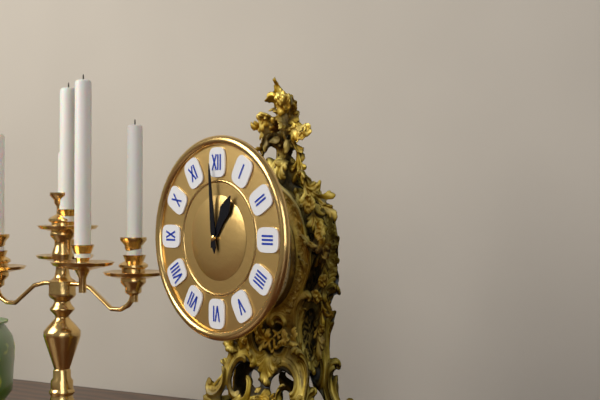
12:59
